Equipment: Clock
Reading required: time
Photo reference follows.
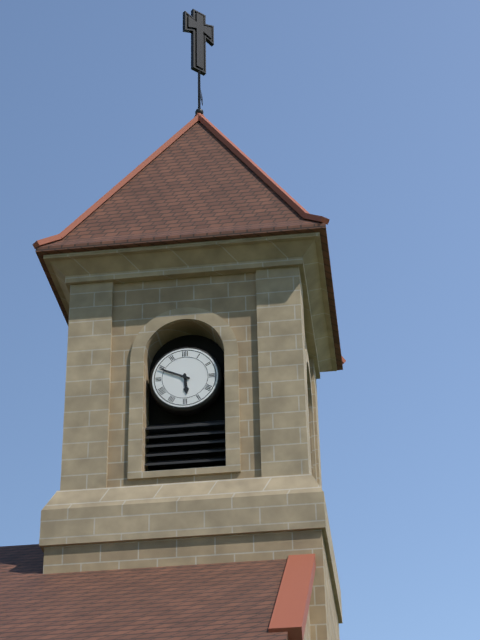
5:49
